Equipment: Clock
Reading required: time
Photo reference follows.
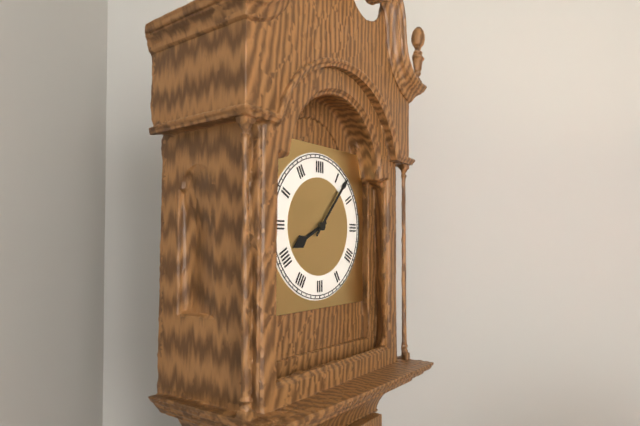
8:07
